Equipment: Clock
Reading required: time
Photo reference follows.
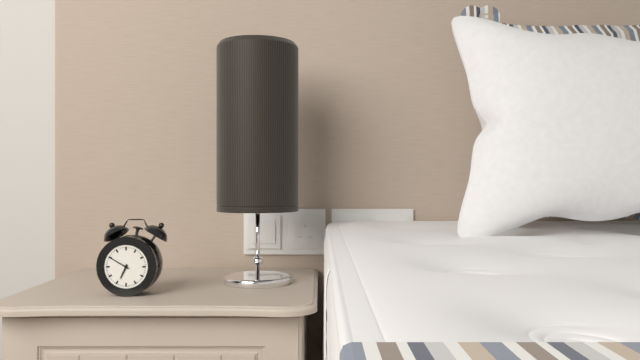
6:50
